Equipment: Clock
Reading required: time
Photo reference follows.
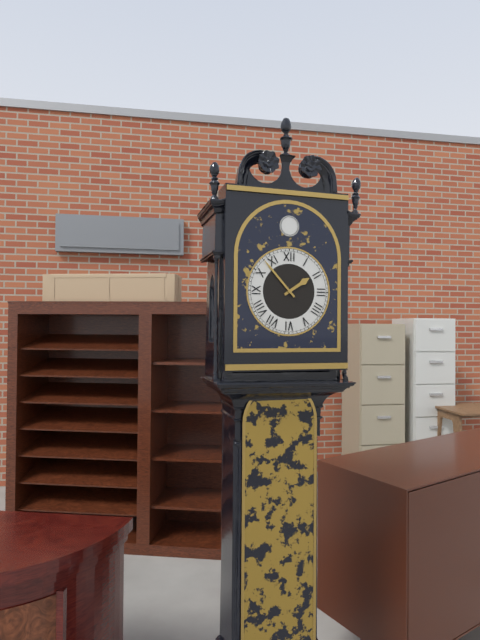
1:53
